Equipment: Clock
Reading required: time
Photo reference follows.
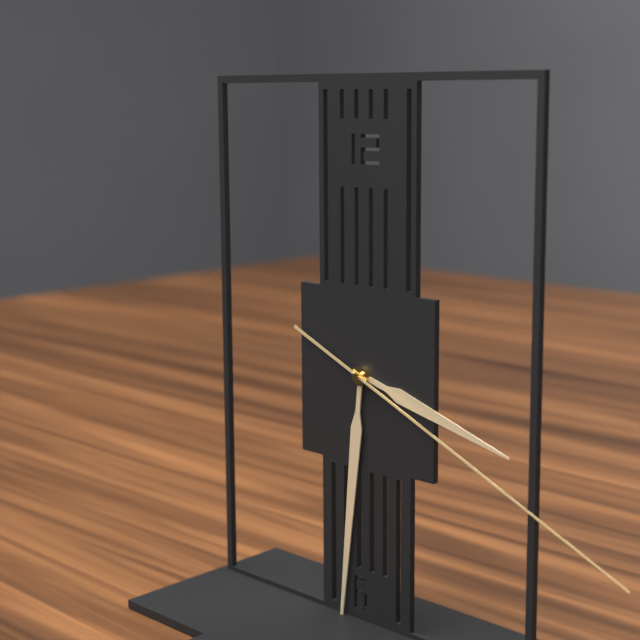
3:31:19
